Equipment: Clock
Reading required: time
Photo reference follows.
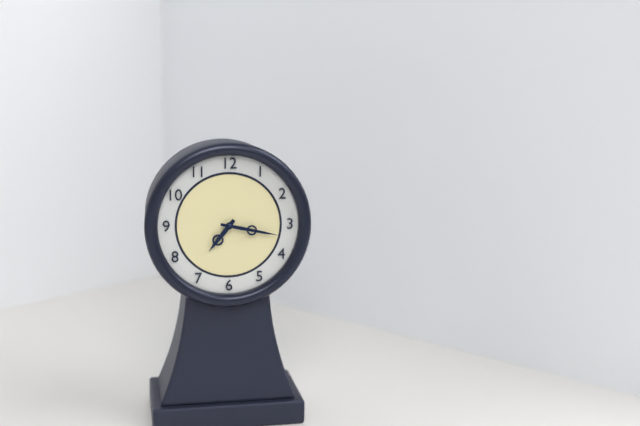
7:17
